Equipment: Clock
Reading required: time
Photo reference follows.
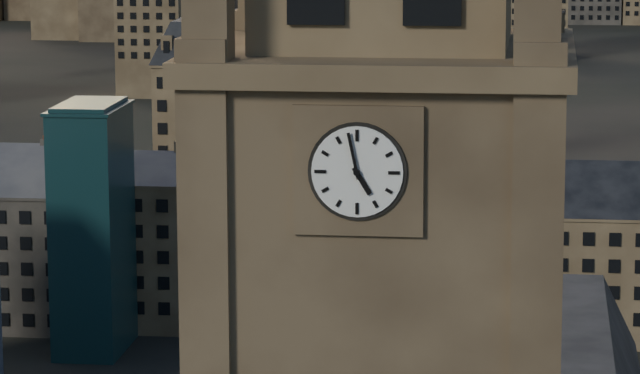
4:58
